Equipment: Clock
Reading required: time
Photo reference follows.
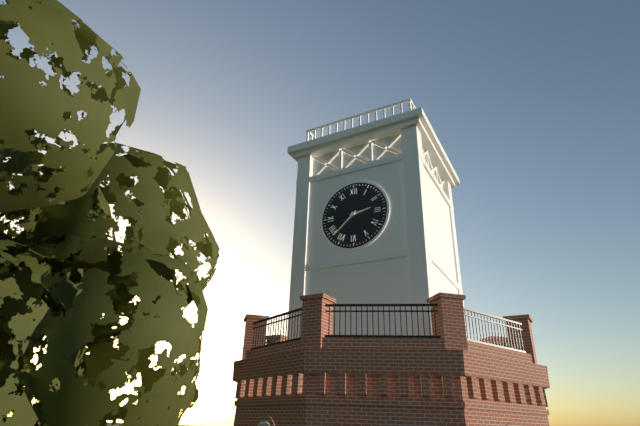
2:38
